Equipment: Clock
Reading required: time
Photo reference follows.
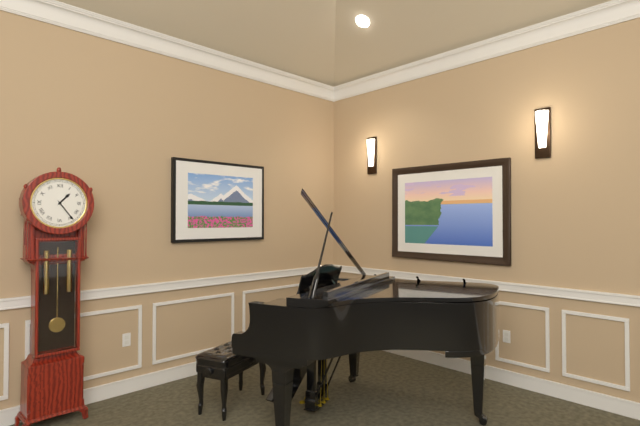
1:24
